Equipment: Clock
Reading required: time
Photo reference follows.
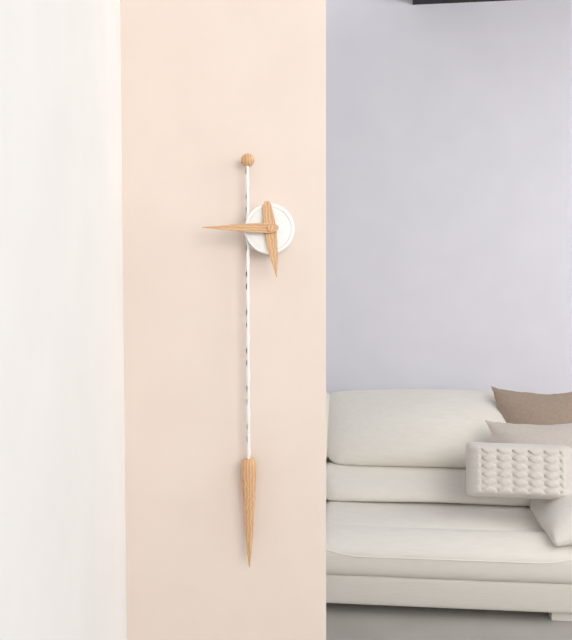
5:45
